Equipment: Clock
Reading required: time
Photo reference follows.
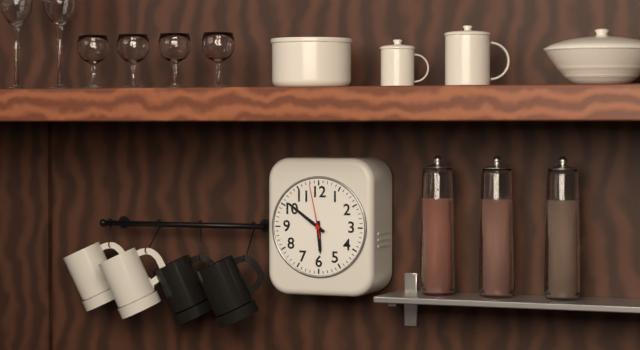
5:51:58
